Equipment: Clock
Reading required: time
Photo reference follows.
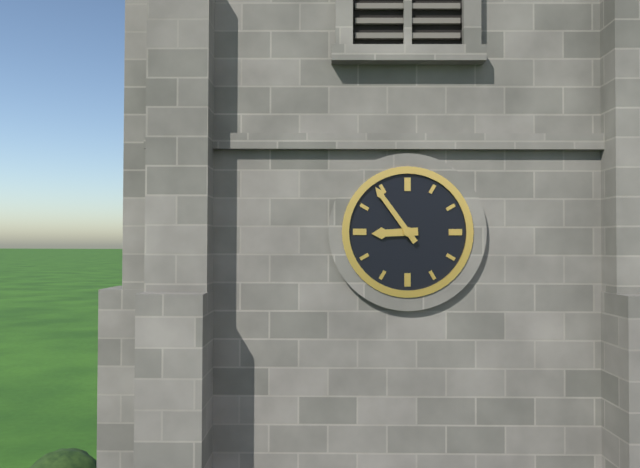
8:54
